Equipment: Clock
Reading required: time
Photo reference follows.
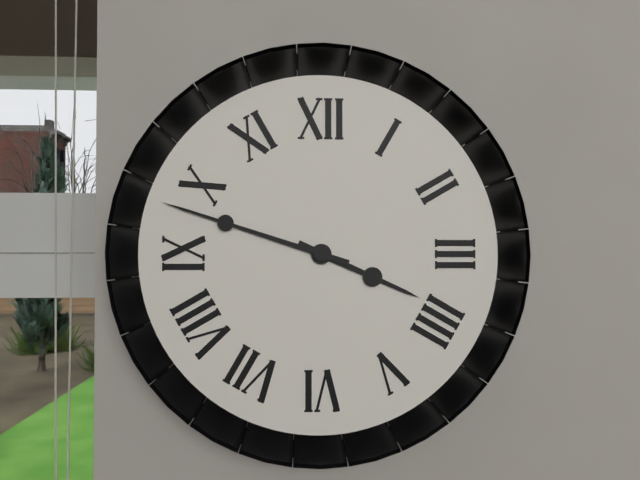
3:48
